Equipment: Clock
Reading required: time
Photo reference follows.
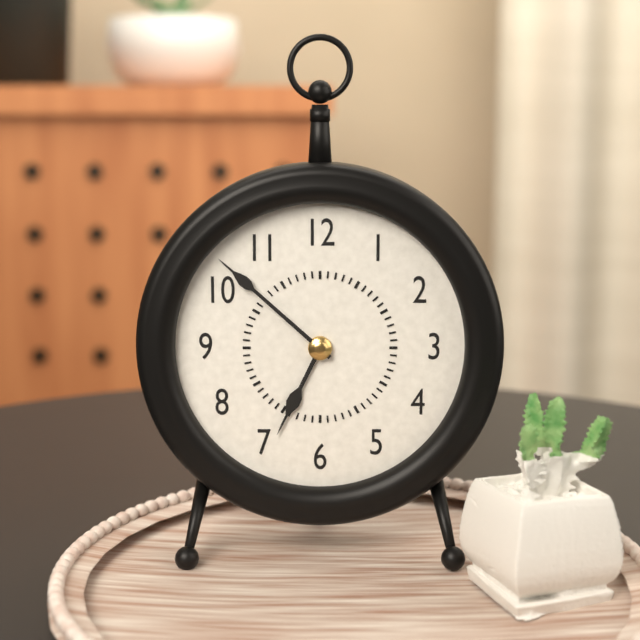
6:52
